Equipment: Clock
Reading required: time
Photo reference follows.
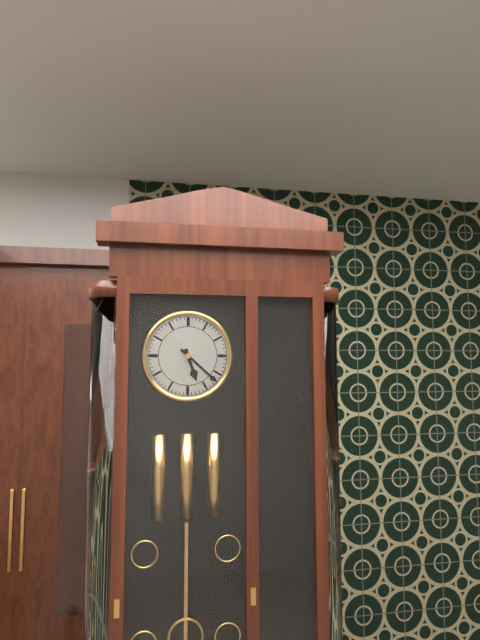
5:22
